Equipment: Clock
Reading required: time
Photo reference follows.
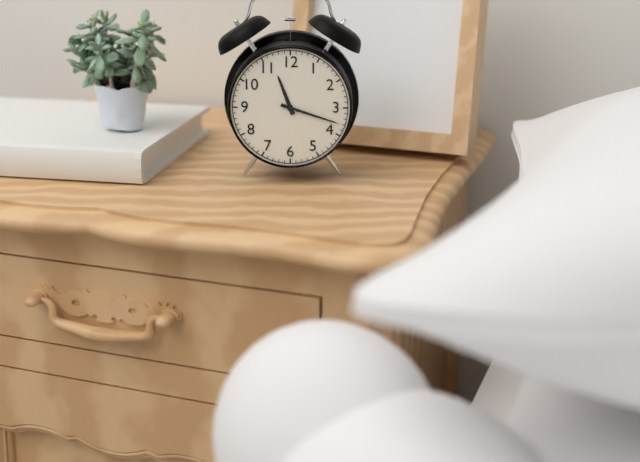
11:18
